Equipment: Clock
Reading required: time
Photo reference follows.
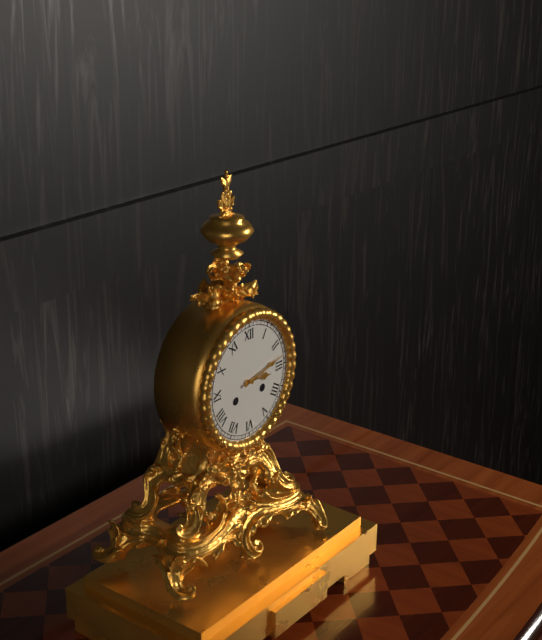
3:13
